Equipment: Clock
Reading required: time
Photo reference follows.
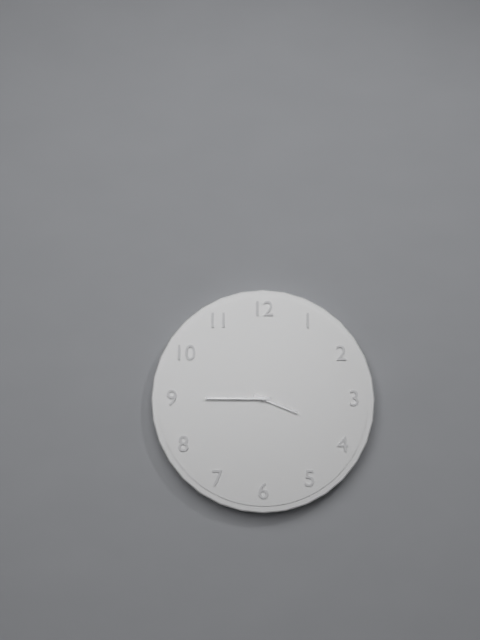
3:45
